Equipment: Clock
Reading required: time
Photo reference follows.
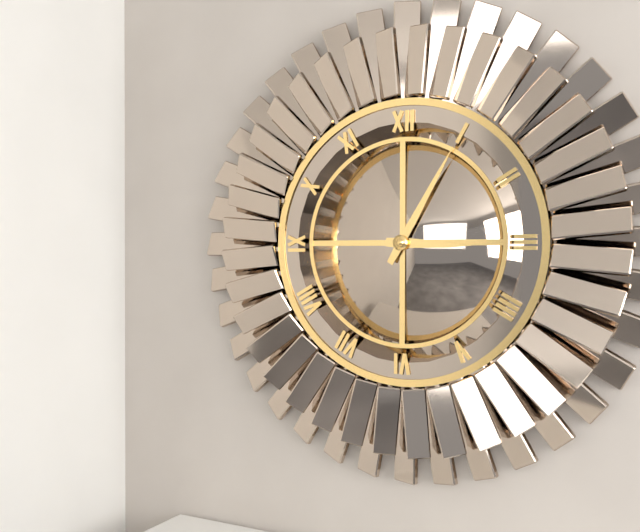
3:05
